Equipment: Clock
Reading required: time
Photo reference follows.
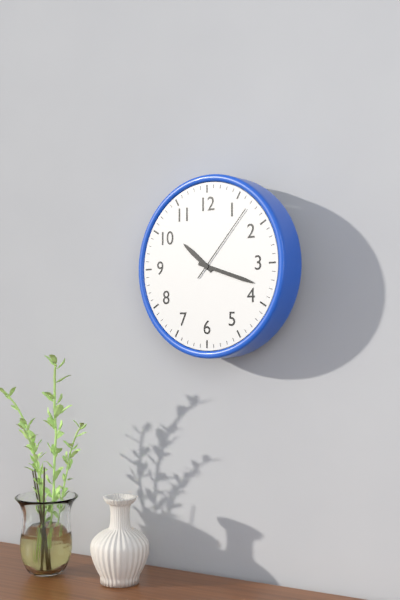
10:18:07
